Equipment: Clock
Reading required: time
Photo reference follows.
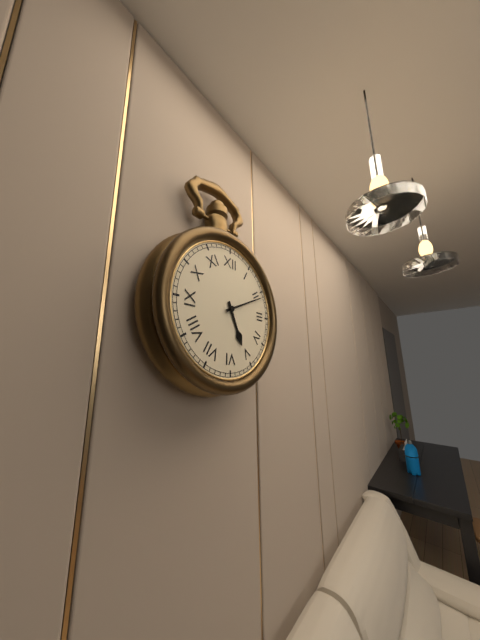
5:11
